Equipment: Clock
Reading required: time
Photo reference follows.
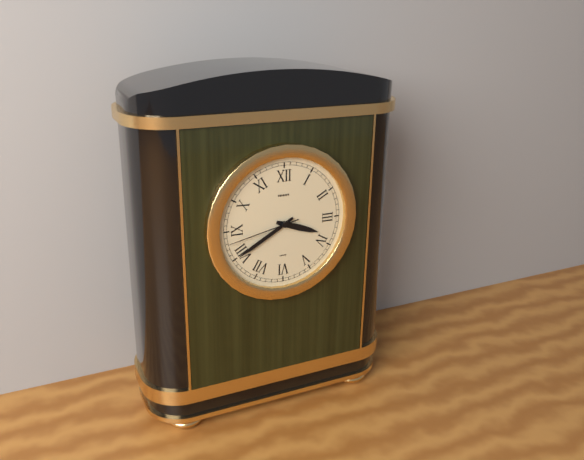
3:40:43
